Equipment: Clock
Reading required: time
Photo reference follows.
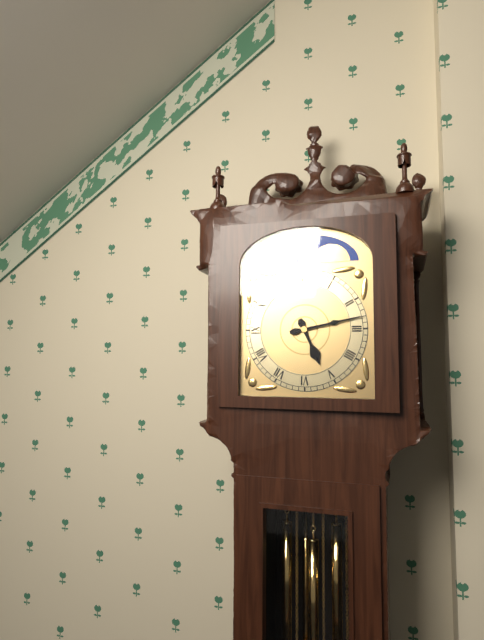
5:13
